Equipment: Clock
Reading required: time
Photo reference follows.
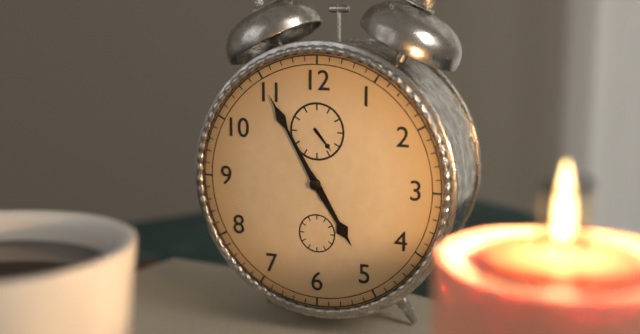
4:55
